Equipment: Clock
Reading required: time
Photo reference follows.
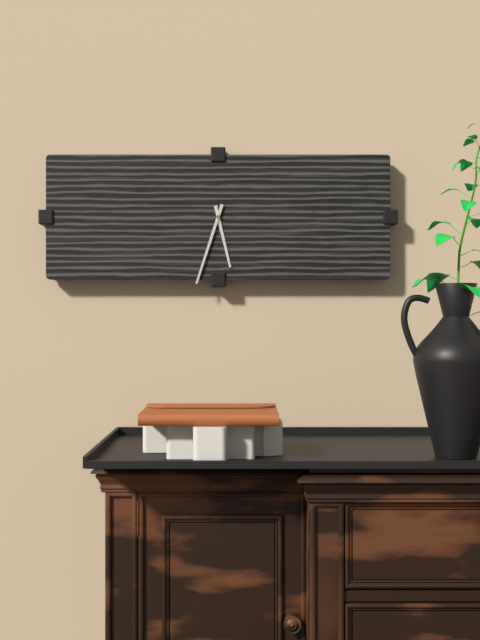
5:33
